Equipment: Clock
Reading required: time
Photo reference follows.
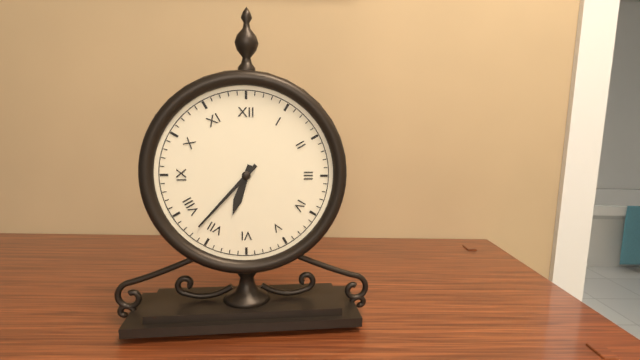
6:37
